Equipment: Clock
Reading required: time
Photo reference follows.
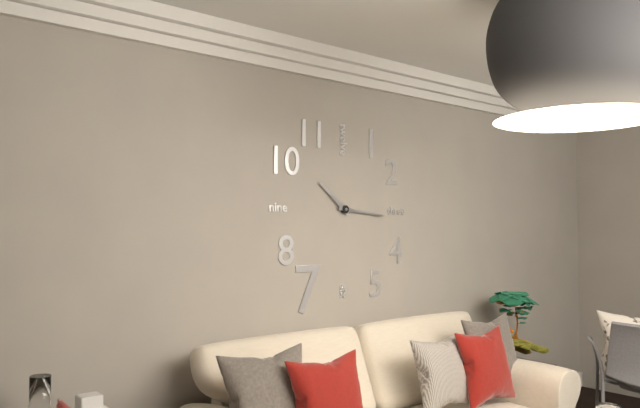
10:16
